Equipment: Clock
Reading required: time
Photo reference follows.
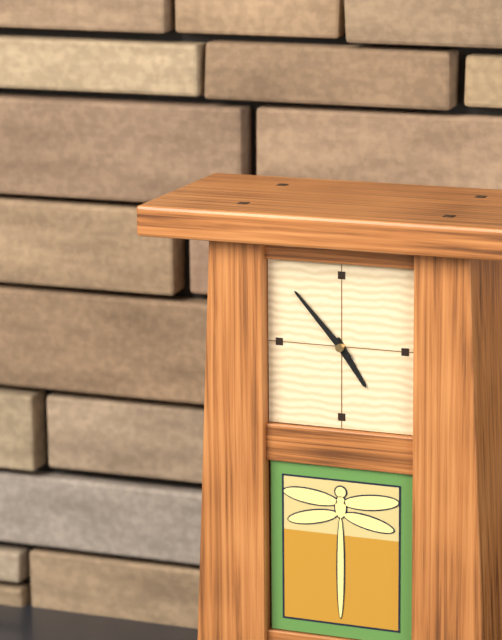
4:53
